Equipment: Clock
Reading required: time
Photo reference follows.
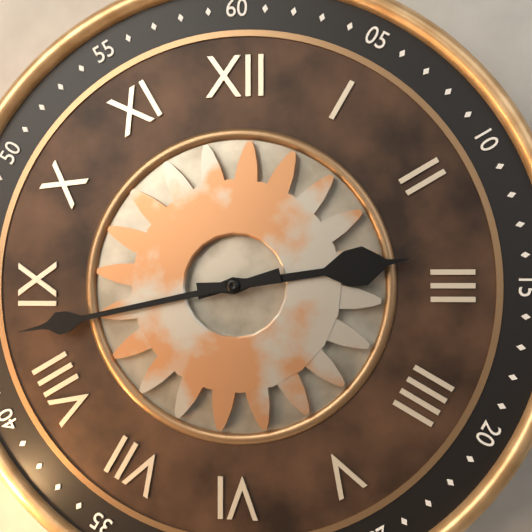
2:43
